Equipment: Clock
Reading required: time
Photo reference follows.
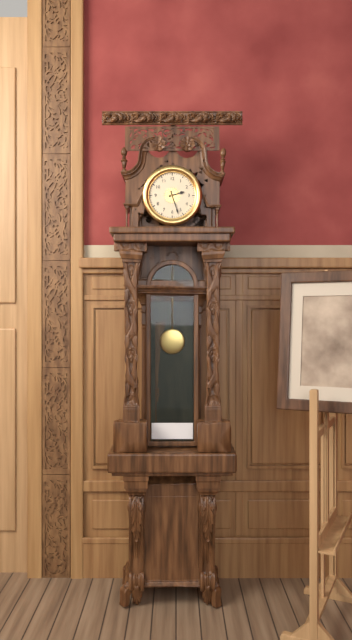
2:27
